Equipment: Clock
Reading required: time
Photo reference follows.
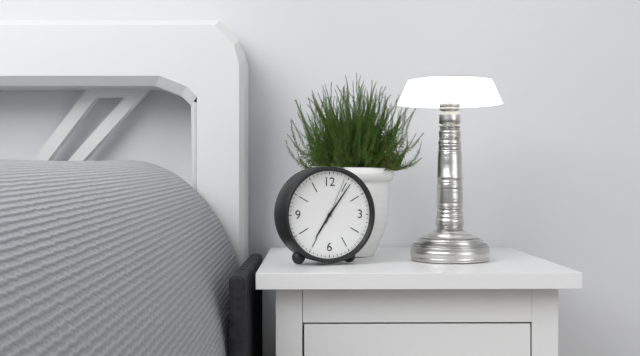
7:06:04
